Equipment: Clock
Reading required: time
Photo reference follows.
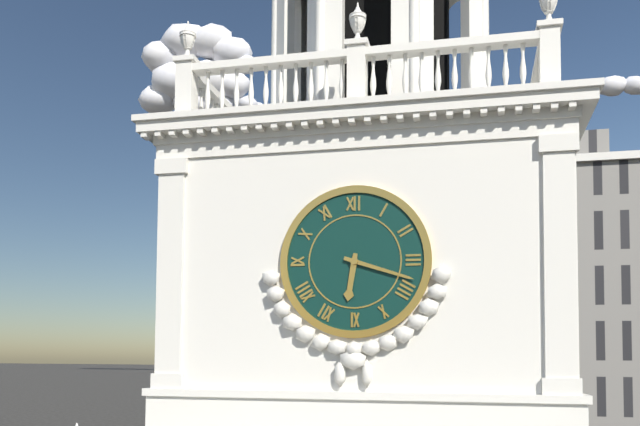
6:18
